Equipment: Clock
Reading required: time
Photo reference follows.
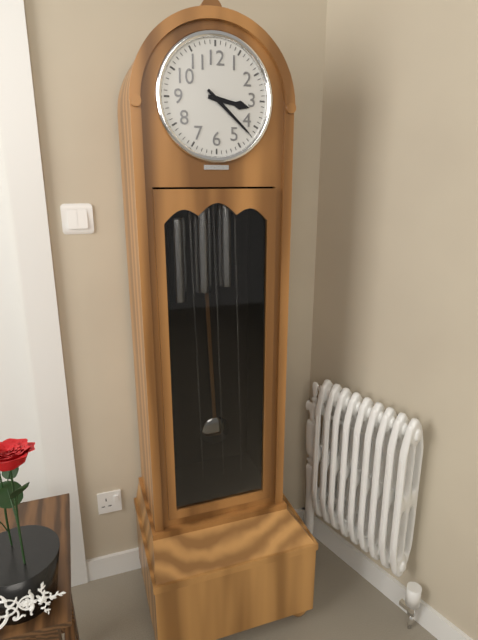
3:22
